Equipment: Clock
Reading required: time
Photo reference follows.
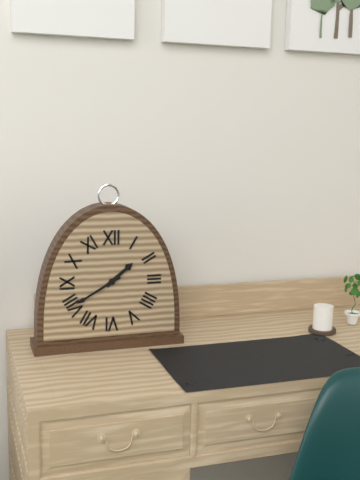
1:40
